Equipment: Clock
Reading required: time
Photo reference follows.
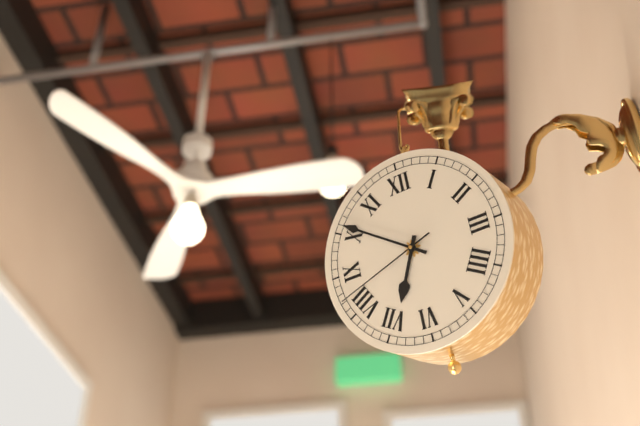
6:51:42
